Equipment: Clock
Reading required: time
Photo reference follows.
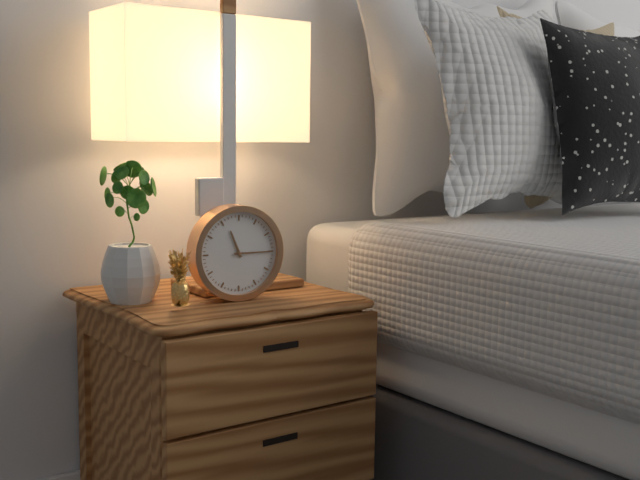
11:15
